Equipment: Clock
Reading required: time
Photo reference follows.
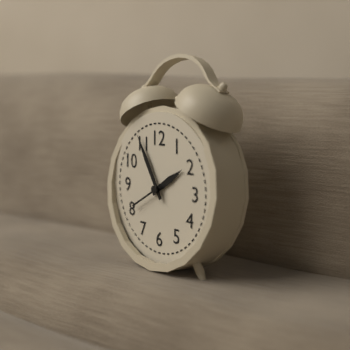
1:55
